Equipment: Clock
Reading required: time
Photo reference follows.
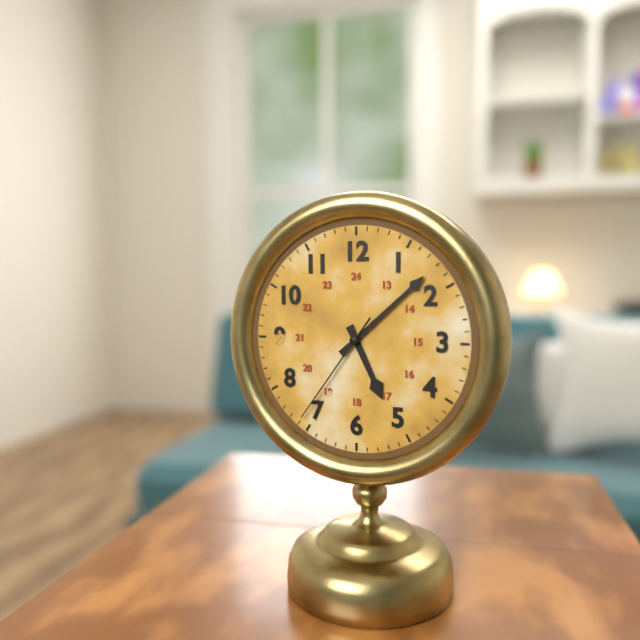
5:08:36
